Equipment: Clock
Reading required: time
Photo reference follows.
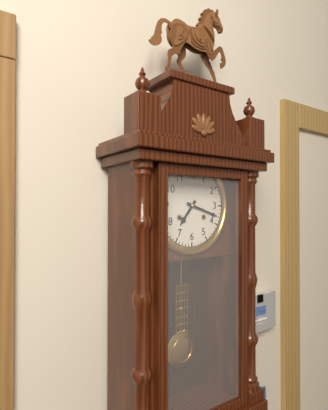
7:18
